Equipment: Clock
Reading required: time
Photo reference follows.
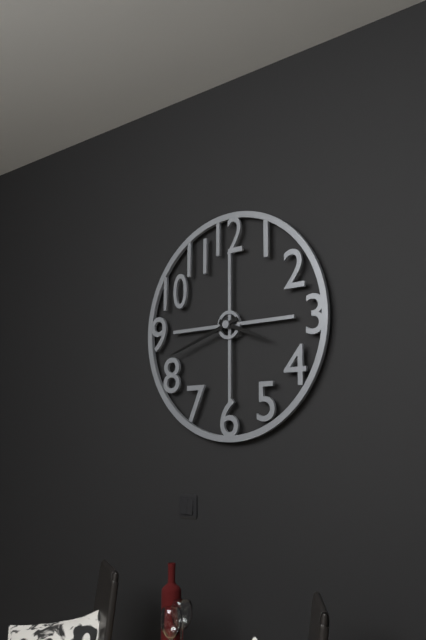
3:42
